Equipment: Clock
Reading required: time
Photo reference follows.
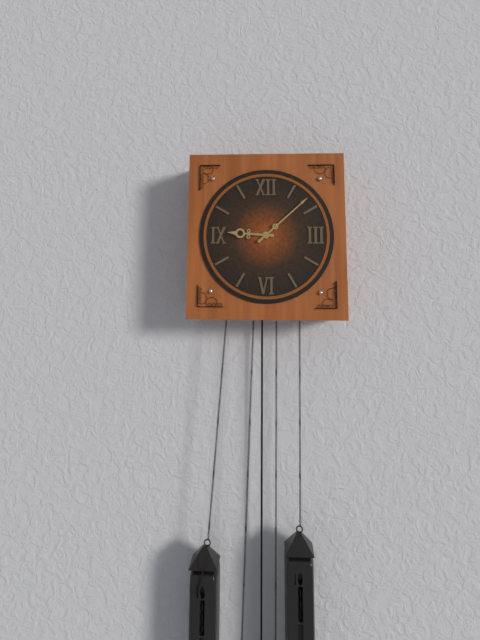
9:08
